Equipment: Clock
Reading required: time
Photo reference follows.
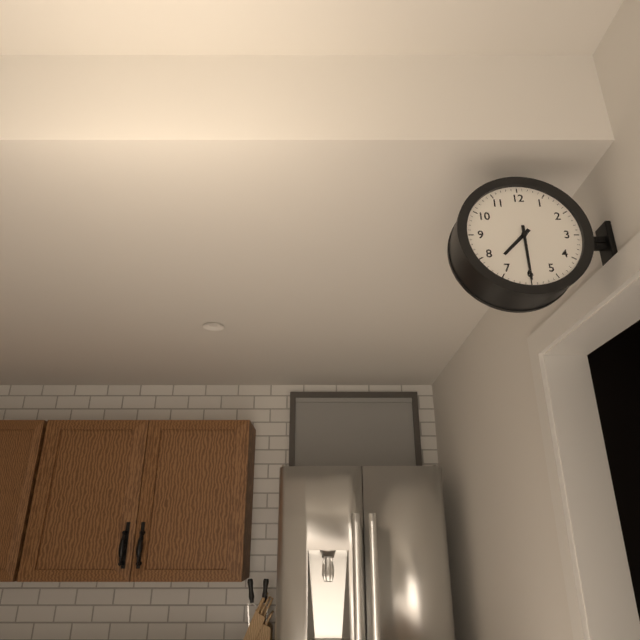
7:30
